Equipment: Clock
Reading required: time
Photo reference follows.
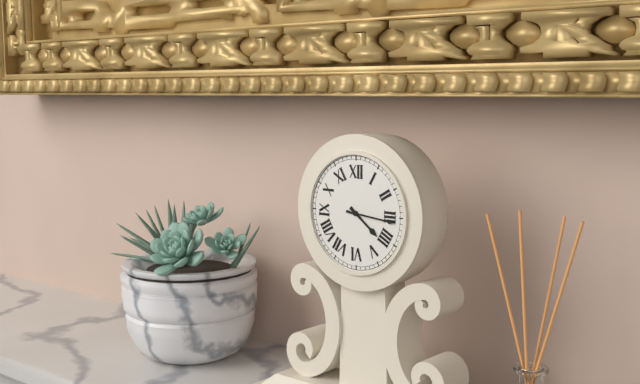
4:16
